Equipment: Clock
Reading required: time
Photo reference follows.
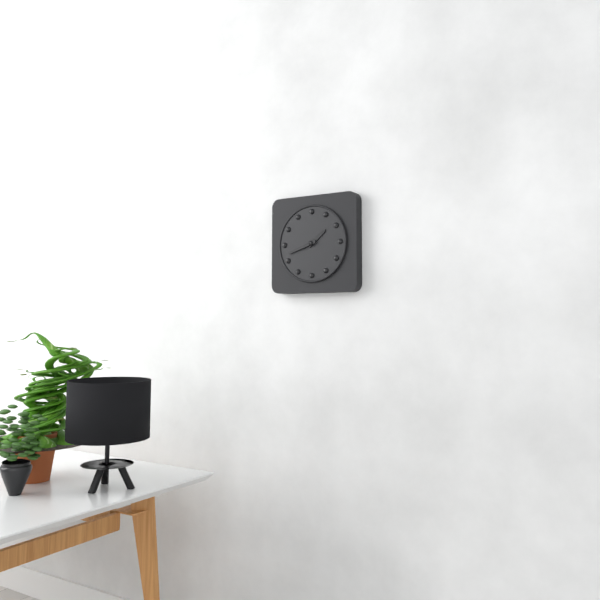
1:42
